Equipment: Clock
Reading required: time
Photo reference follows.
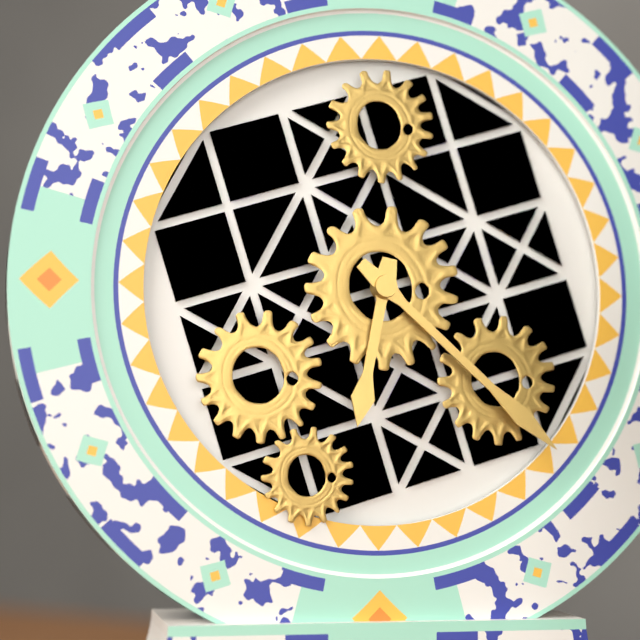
6:22
